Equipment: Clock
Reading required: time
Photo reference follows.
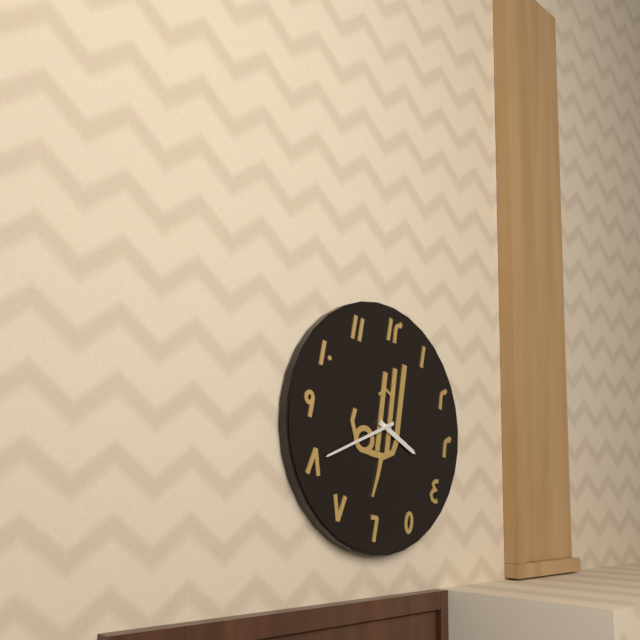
3:40
